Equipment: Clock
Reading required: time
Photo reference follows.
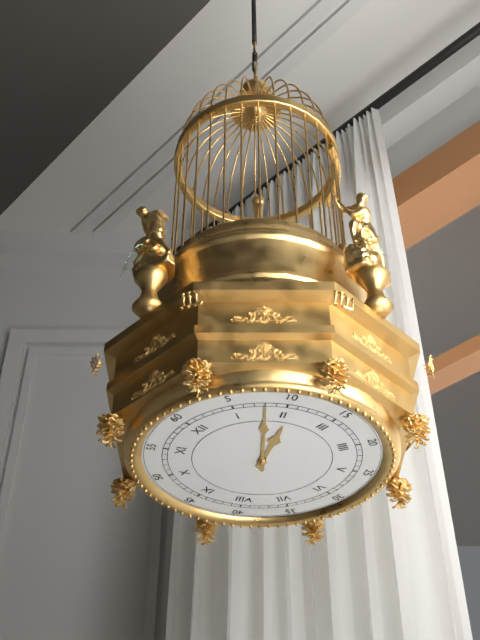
2:08
